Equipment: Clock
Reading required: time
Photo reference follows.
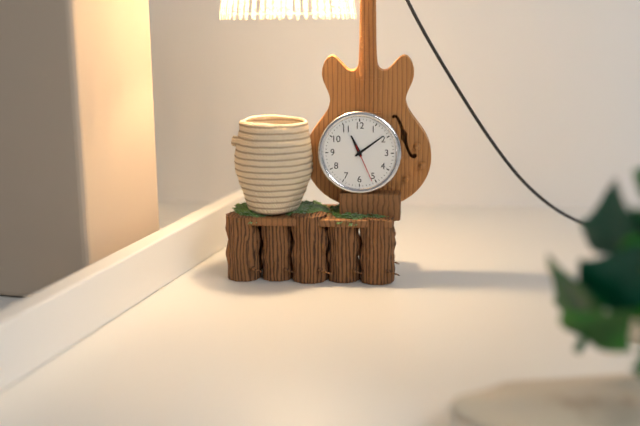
11:09
